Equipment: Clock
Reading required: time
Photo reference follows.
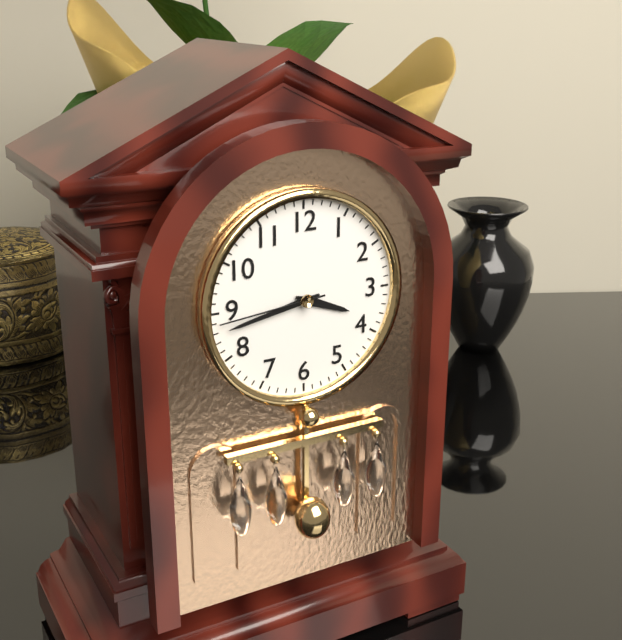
3:43:44
